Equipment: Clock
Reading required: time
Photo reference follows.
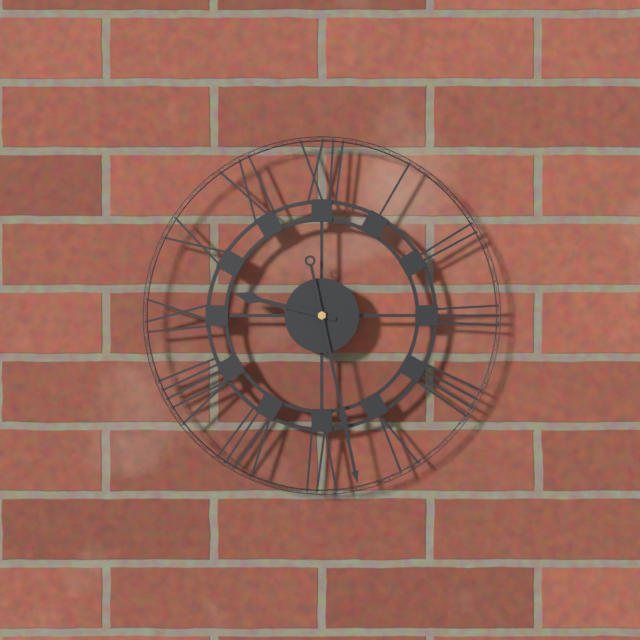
9:28
